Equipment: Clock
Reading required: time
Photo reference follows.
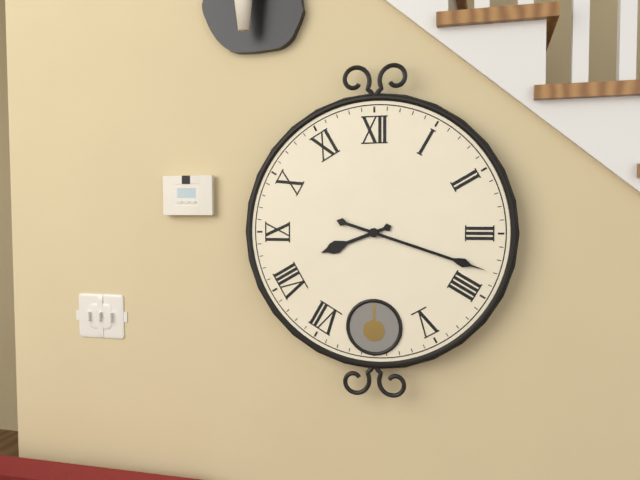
8:18
